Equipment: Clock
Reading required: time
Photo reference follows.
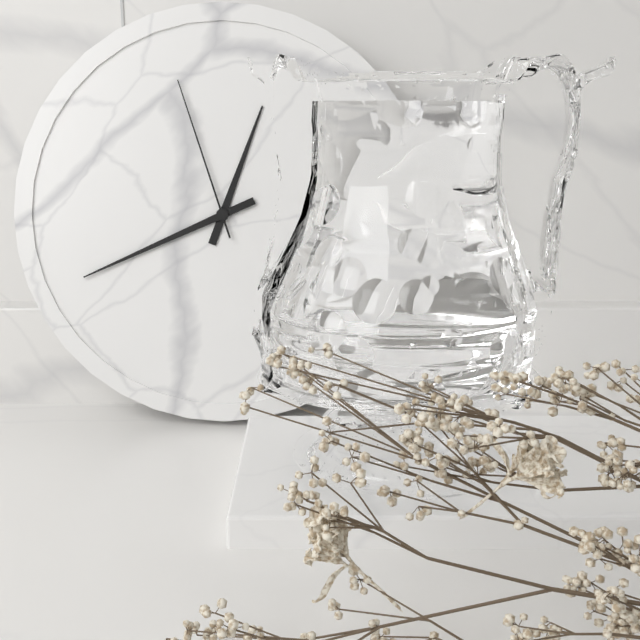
12:41:57
